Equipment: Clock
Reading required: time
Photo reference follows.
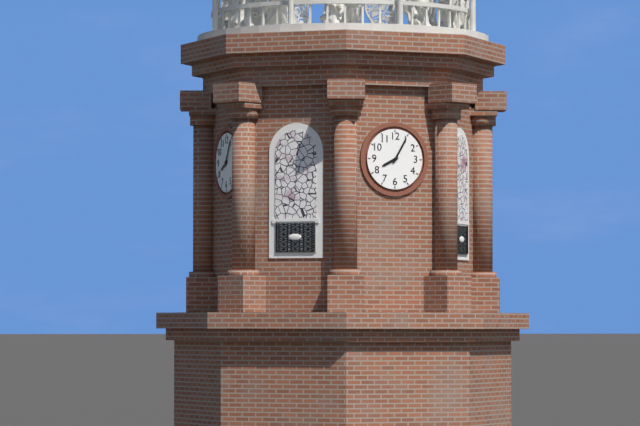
8:05
